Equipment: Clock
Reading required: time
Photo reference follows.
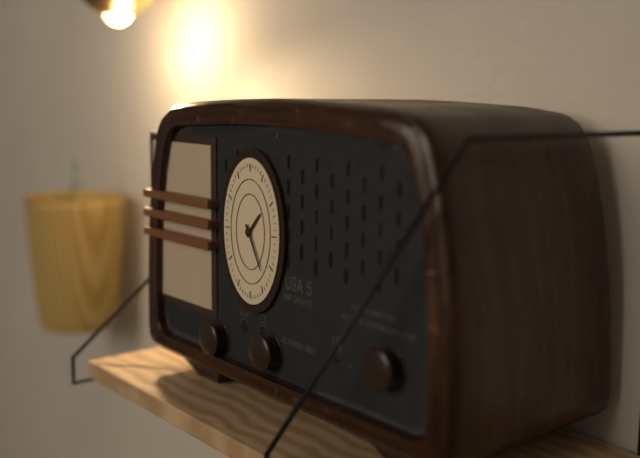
1:25
